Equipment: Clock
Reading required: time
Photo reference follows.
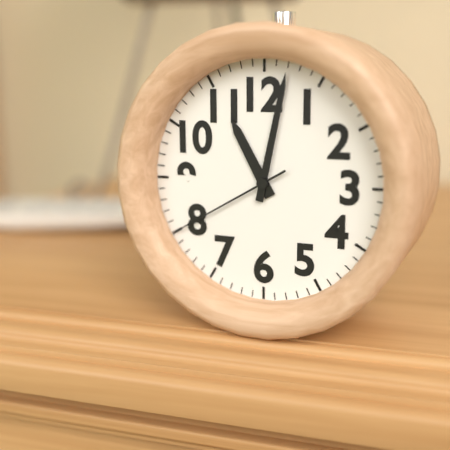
11:02:40
